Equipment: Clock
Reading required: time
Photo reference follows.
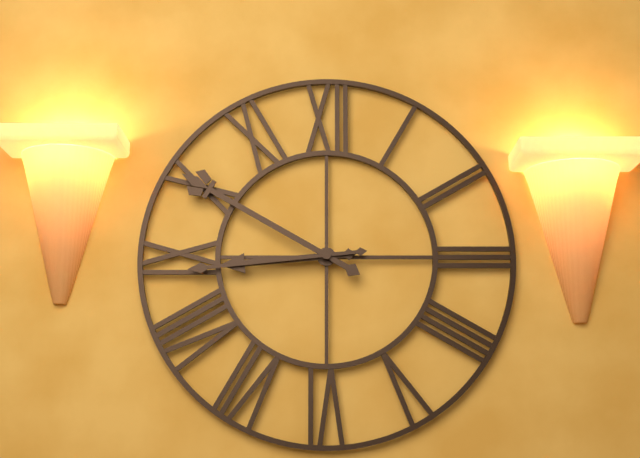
8:50:44
